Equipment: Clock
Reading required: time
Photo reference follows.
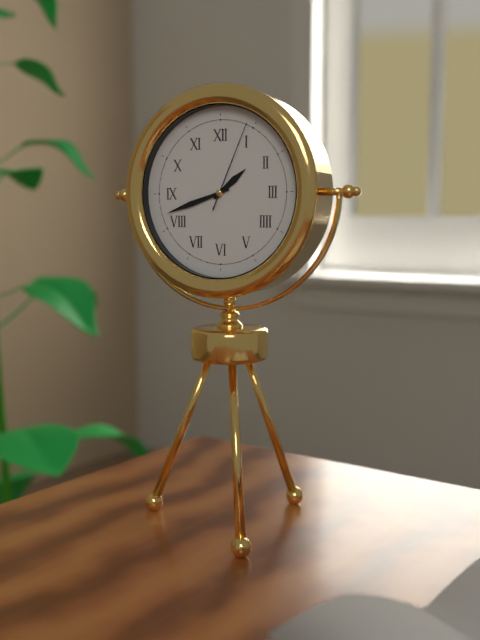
1:42:04
